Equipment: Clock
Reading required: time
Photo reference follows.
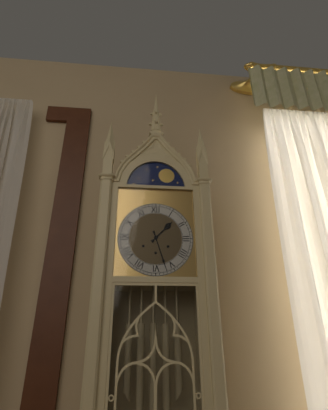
1:27
